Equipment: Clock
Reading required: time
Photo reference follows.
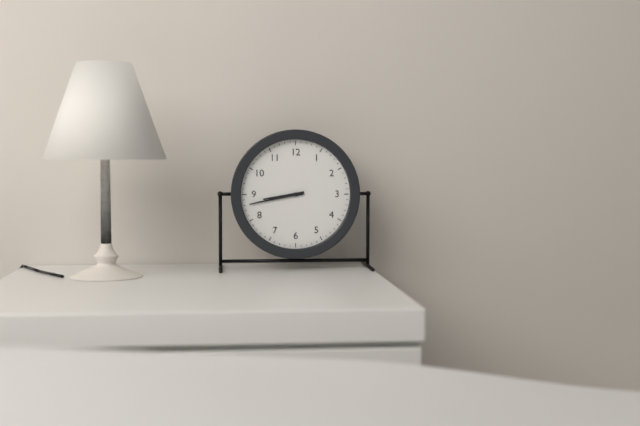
8:43
